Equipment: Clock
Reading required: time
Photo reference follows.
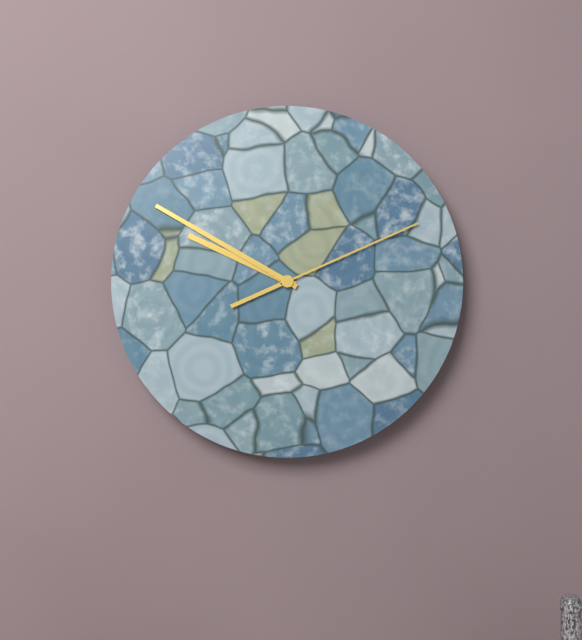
9:50:11
